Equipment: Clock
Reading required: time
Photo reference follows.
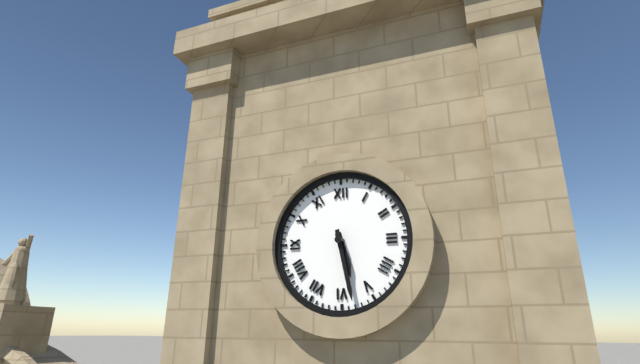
5:28
